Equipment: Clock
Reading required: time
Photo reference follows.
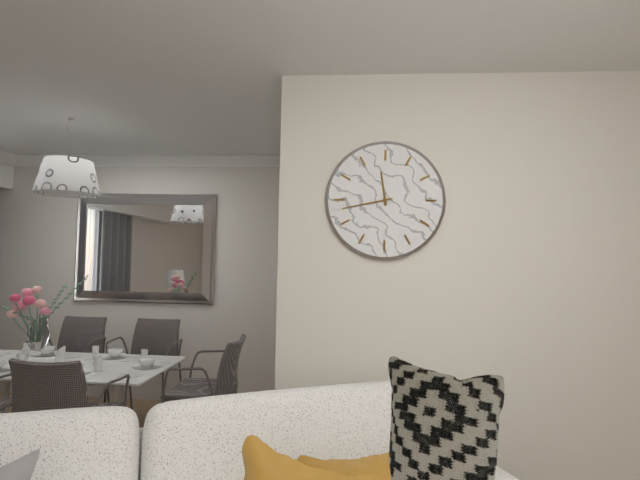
11:43
